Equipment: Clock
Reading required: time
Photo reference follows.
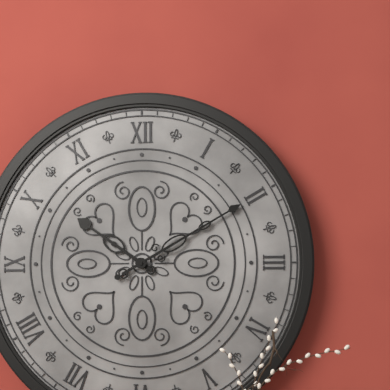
10:10
